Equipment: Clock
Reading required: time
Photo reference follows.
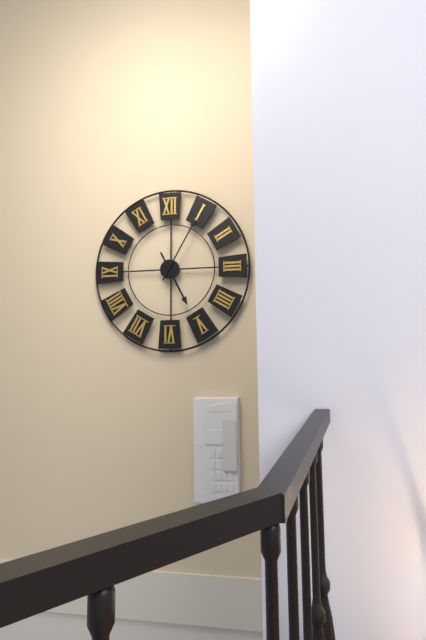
5:05
